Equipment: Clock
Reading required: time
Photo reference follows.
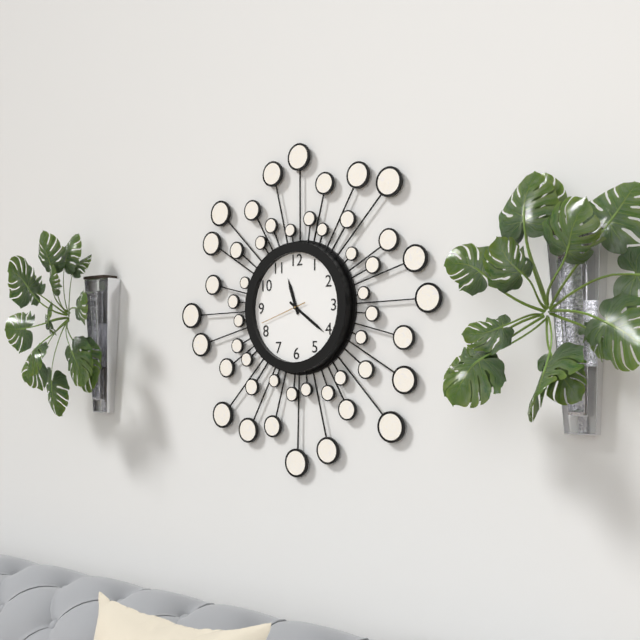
11:21
